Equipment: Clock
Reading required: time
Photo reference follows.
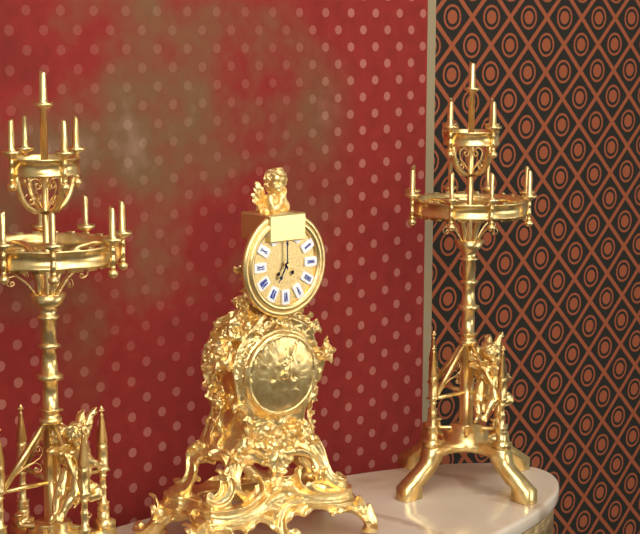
7:00
